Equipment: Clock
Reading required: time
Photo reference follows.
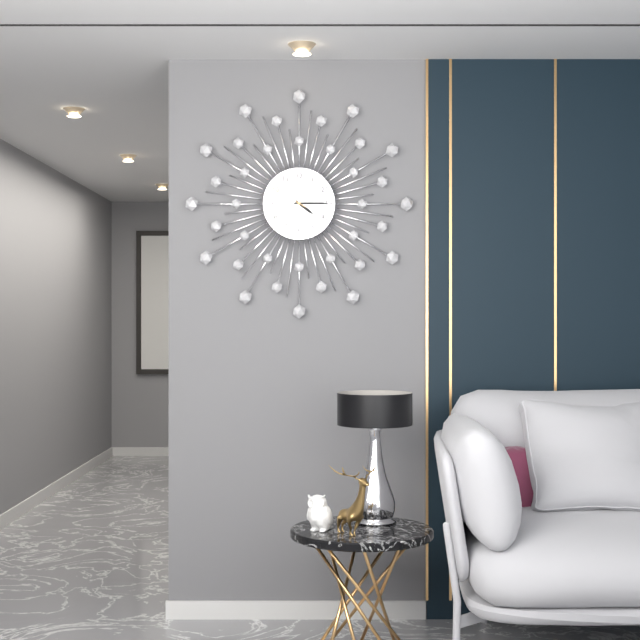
4:15
